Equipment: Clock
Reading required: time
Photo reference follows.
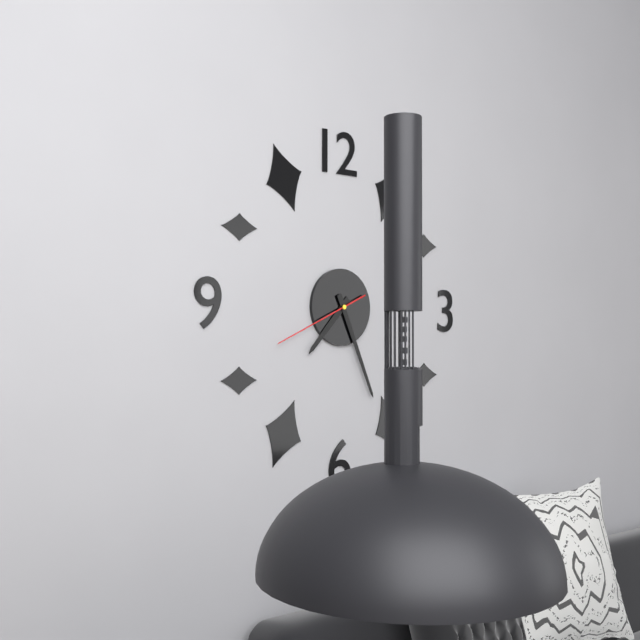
7:26:41
